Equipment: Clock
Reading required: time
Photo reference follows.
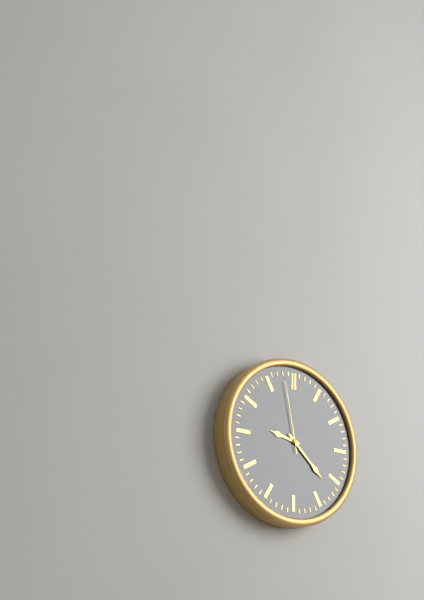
9:22:58
